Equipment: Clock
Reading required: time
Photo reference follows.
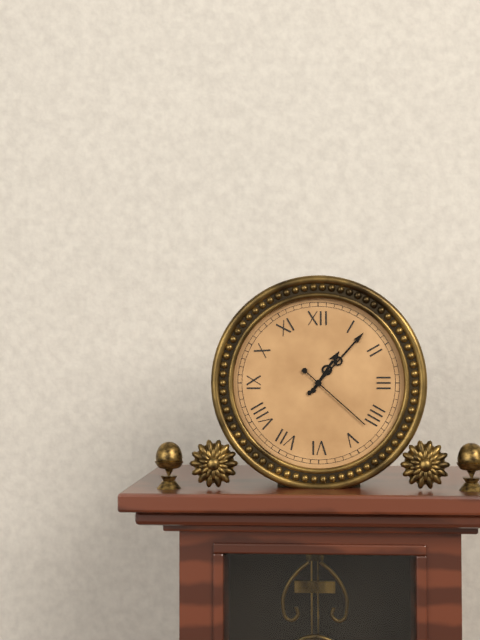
1:07:22
